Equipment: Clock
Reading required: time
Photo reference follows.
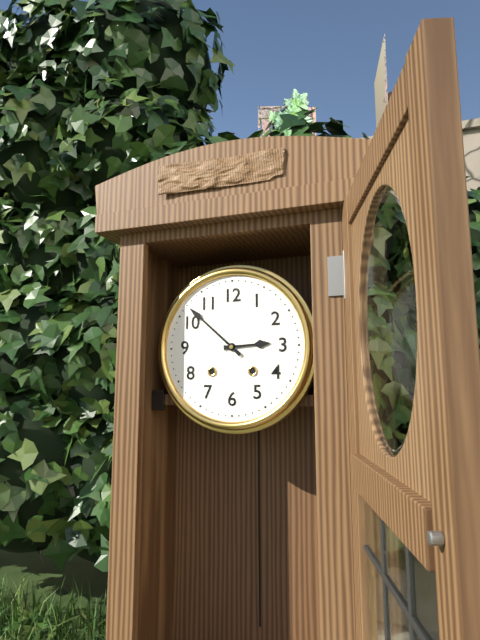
2:52
